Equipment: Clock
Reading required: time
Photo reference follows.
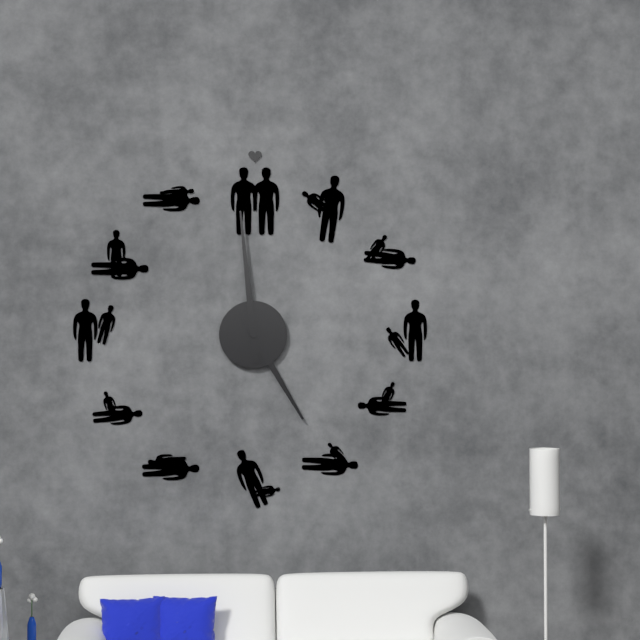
4:59
